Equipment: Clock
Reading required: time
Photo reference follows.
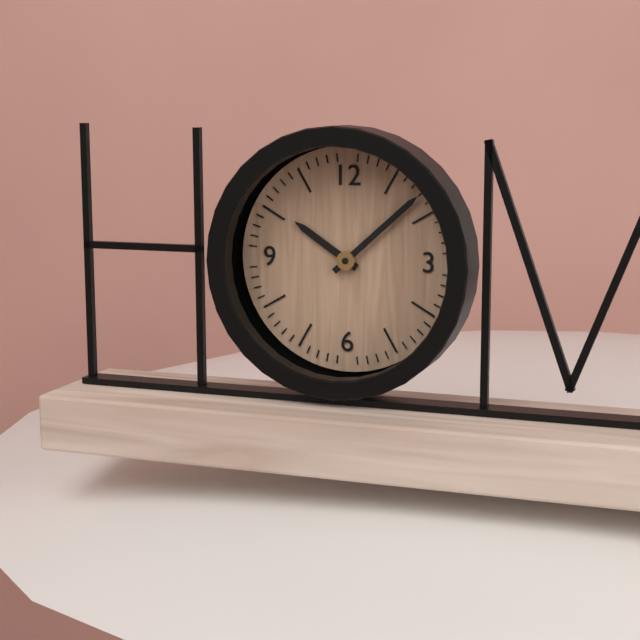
10:08
